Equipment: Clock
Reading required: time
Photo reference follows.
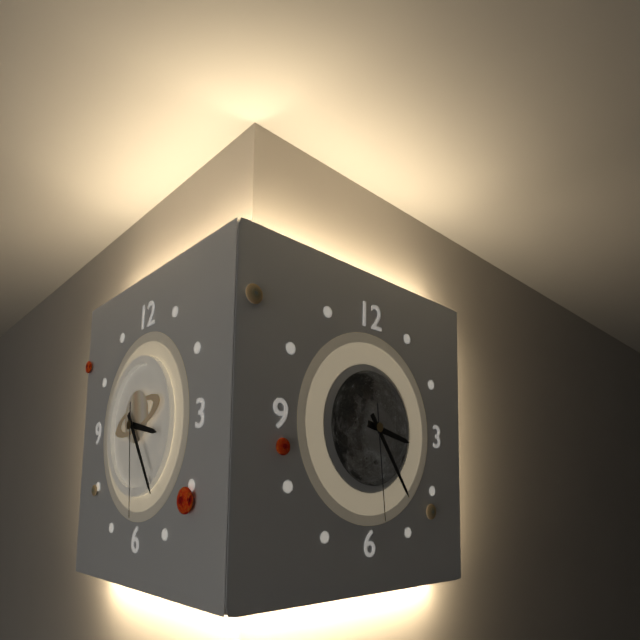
3:24:29
